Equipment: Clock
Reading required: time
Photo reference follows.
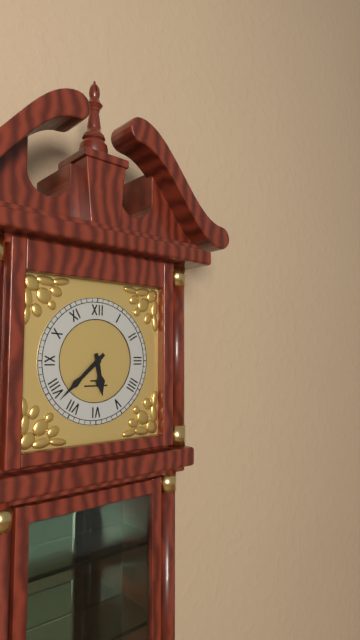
5:38
